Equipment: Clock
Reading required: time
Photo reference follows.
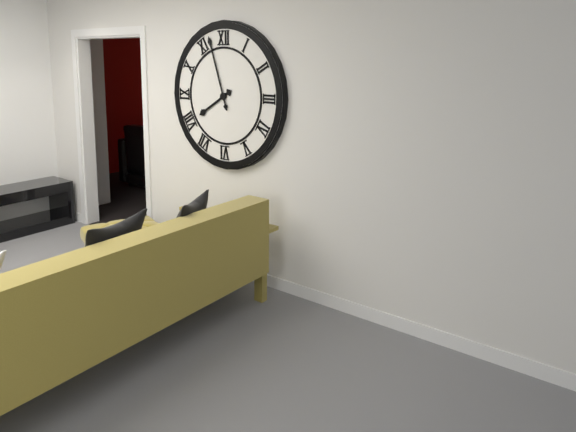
7:57
